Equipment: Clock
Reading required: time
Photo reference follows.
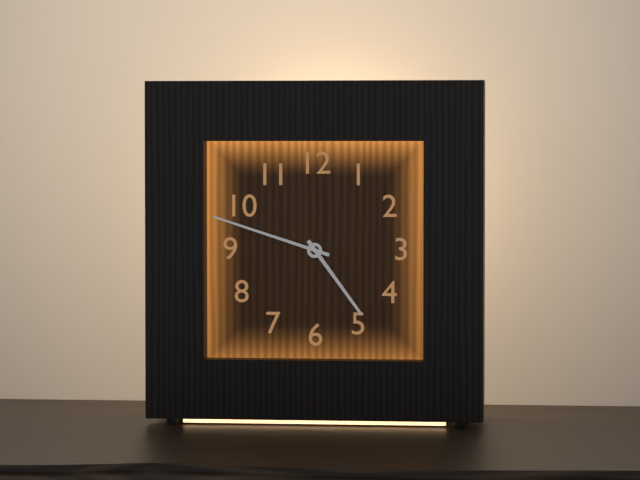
4:48
